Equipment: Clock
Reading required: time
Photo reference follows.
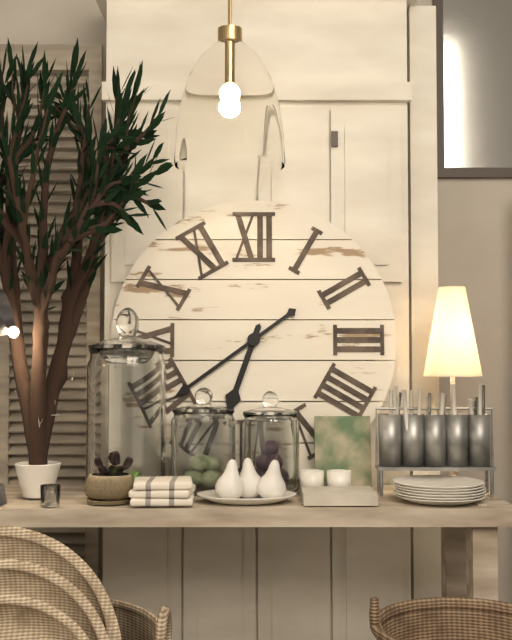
6:39
